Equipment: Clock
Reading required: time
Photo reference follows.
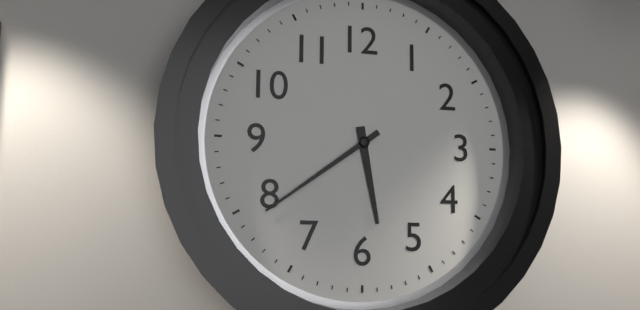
5:39
